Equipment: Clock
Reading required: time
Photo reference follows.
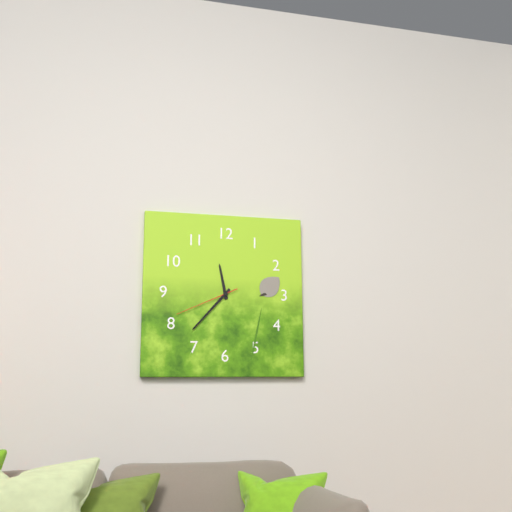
11:37:41
